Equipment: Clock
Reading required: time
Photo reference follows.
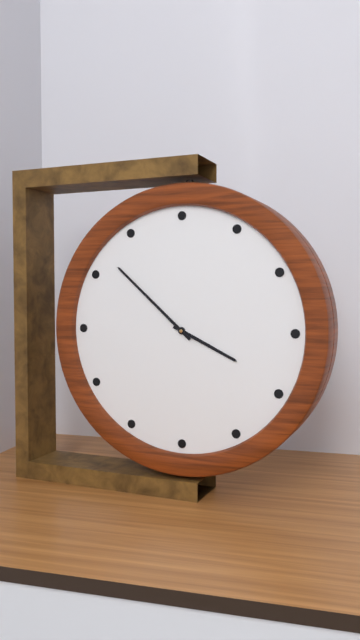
3:52
